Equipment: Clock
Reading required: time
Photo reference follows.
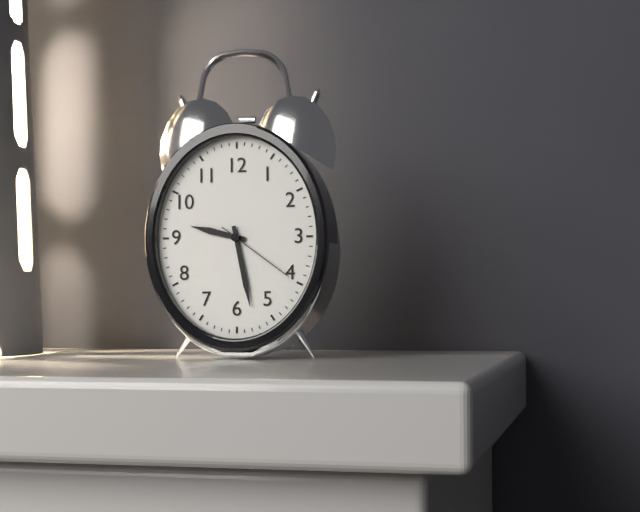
9:28:21
